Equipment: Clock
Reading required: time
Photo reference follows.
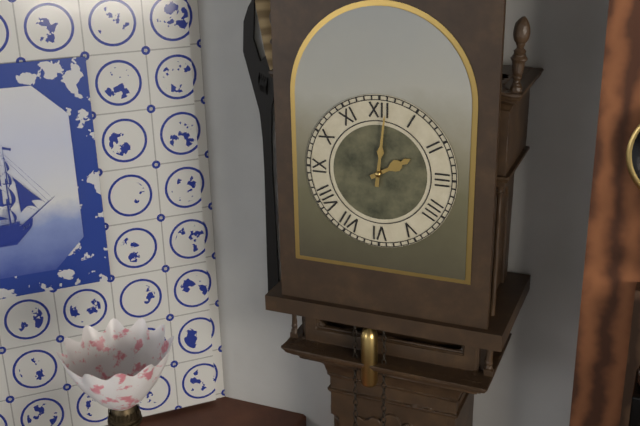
2:01
